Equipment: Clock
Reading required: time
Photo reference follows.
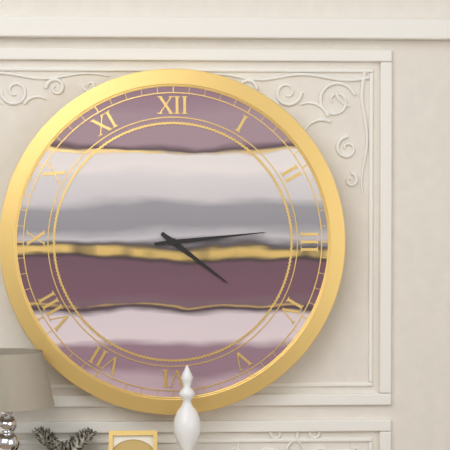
4:14
